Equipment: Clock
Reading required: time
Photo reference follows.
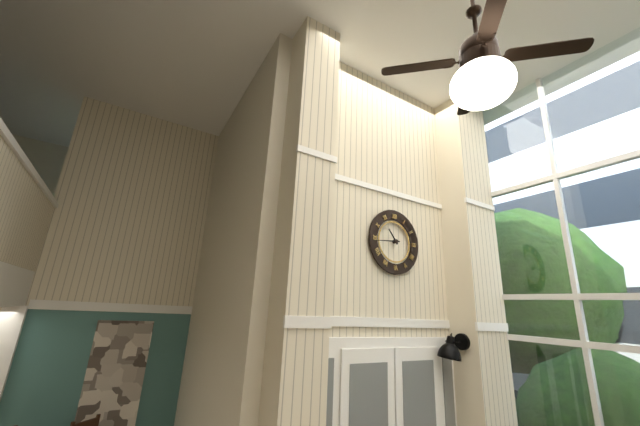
10:44
